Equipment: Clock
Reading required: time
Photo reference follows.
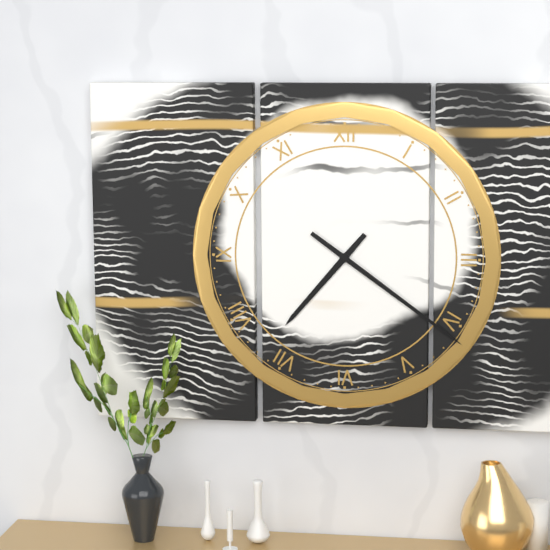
7:21
